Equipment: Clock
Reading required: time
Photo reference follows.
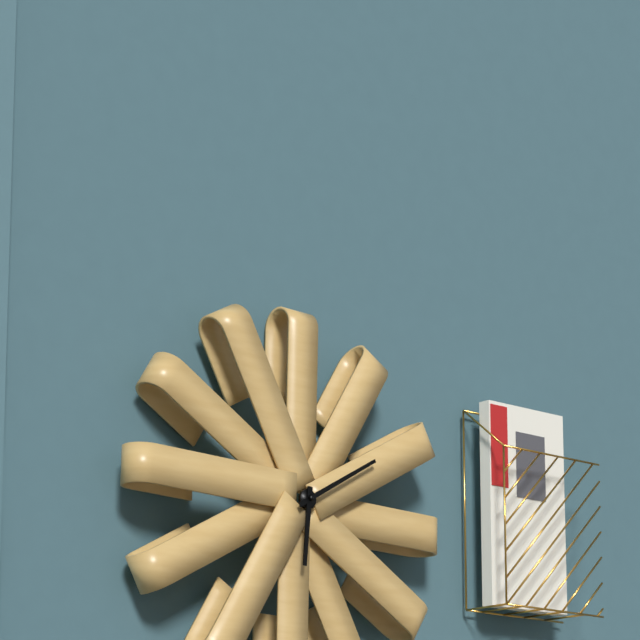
6:10
